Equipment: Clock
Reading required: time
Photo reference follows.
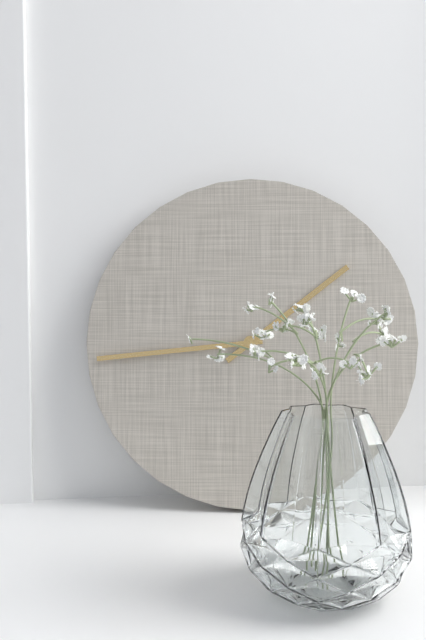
1:44
